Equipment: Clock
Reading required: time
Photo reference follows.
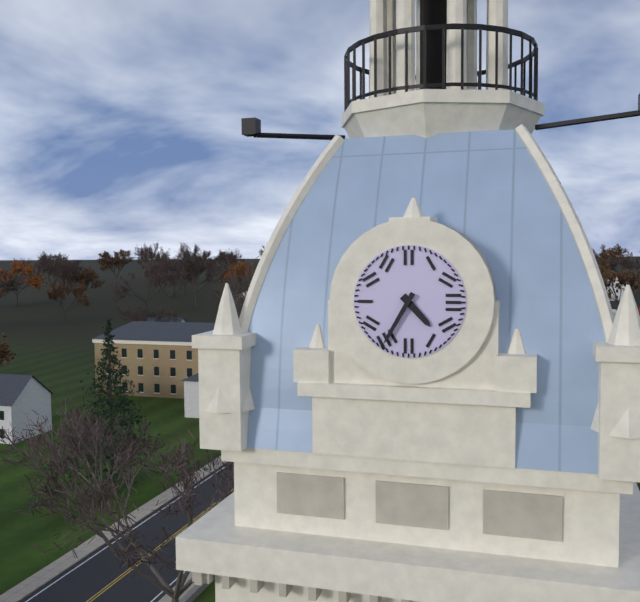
4:35
